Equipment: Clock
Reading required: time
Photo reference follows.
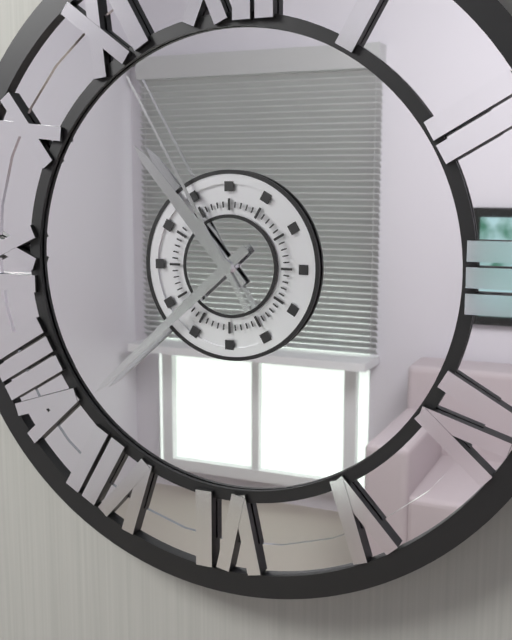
10:38:55
